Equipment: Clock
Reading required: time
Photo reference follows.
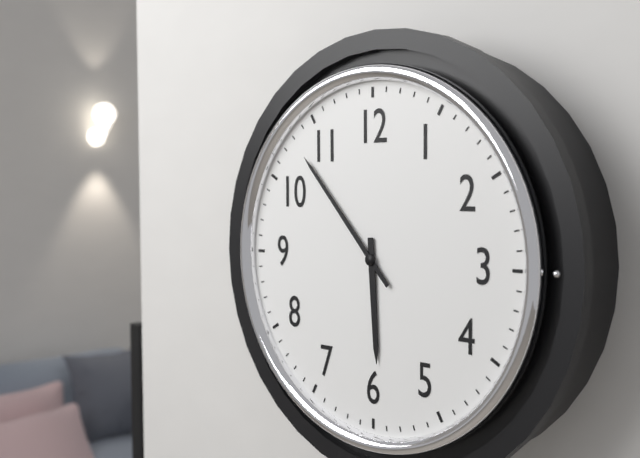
5:53
